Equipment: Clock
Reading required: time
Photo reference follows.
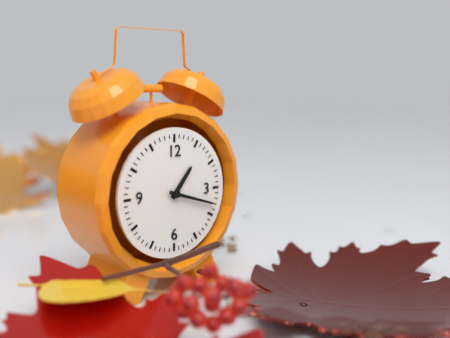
1:18
